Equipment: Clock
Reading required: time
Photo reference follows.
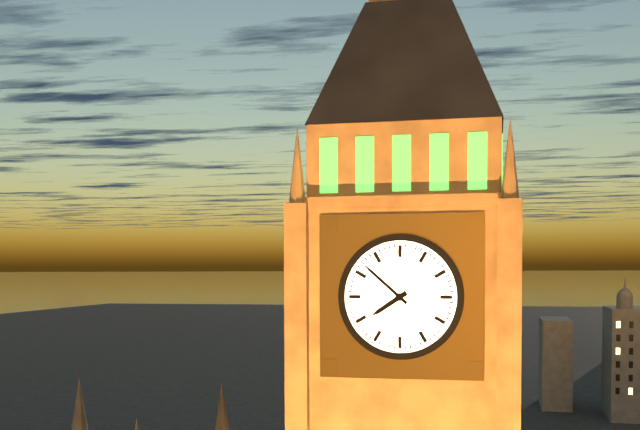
7:52
